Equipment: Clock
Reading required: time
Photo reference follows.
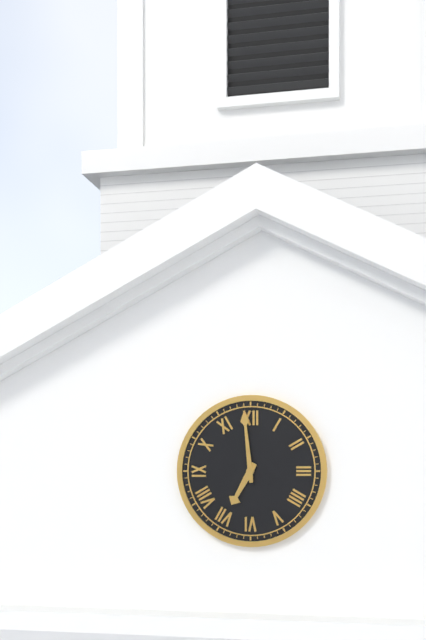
6:59
